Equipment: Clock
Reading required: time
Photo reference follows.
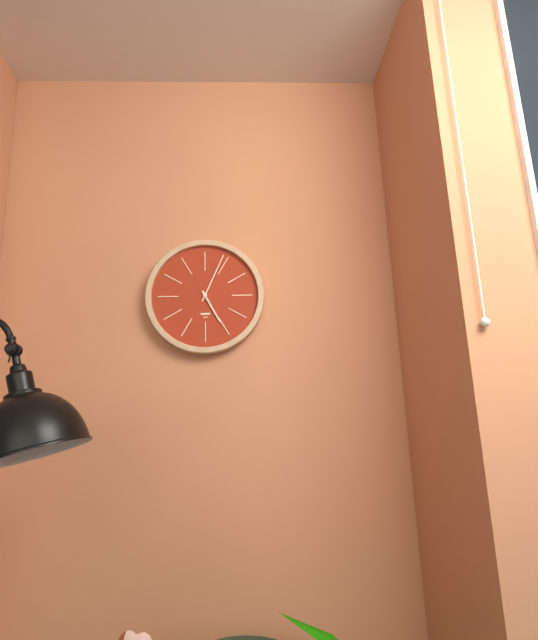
5:04
